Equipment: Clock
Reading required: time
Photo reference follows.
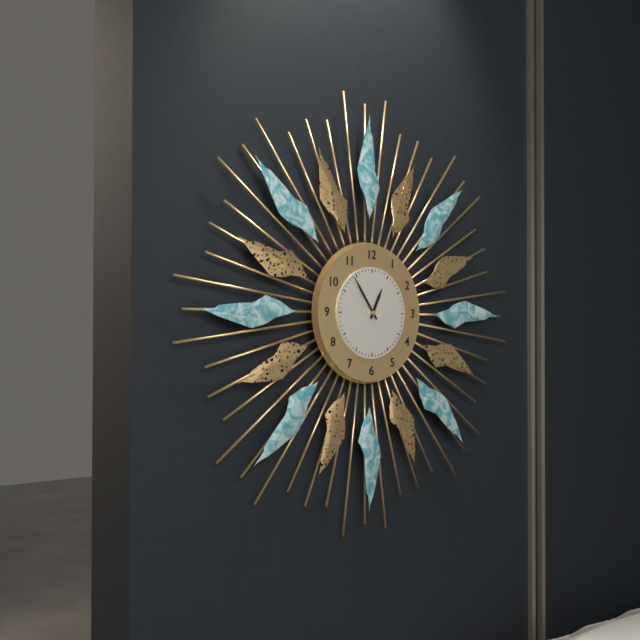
12:54
